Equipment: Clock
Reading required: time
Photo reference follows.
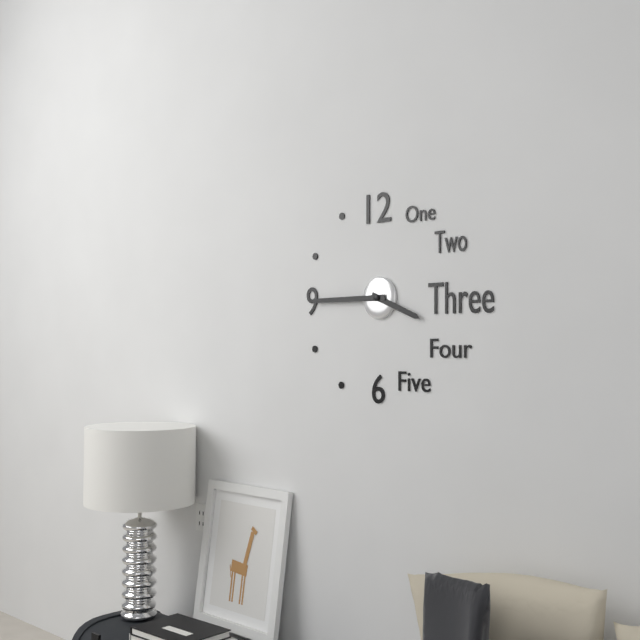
3:45
